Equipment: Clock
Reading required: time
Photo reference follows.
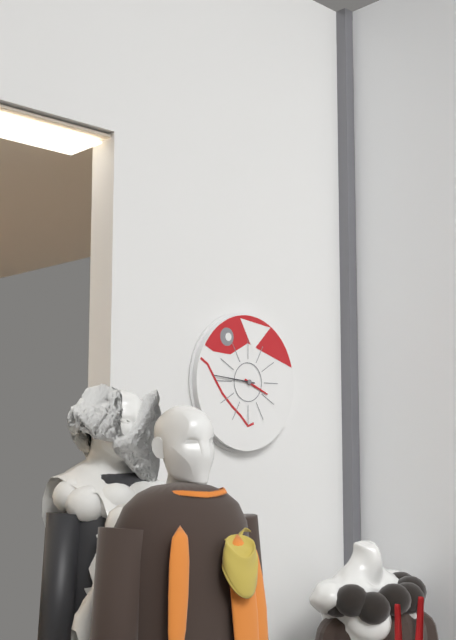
3:46
